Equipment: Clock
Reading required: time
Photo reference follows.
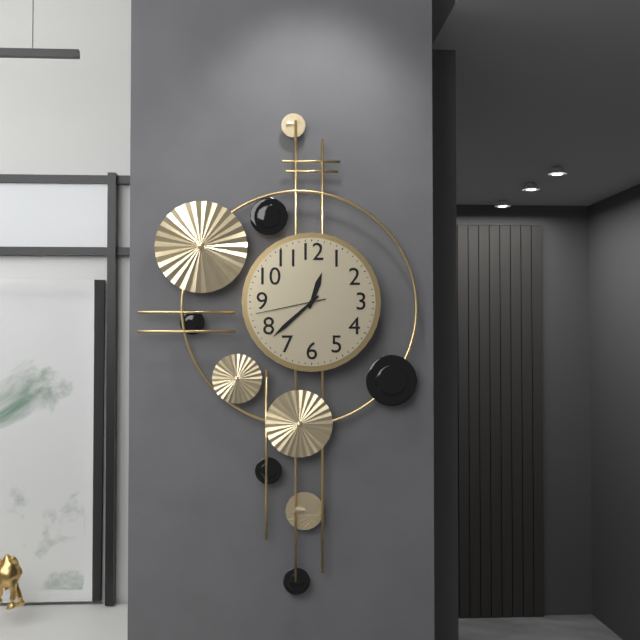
12:38:43
